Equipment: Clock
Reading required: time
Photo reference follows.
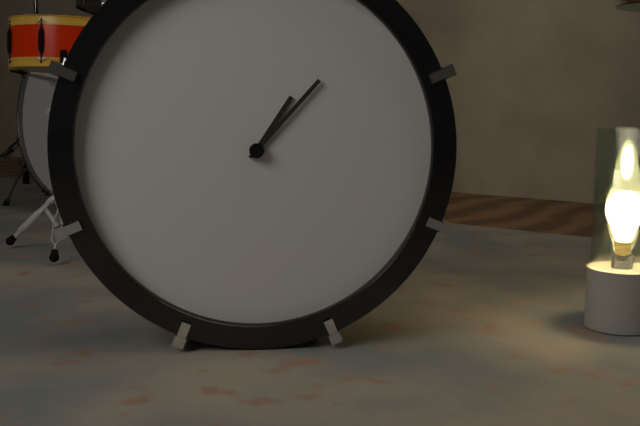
1:07
